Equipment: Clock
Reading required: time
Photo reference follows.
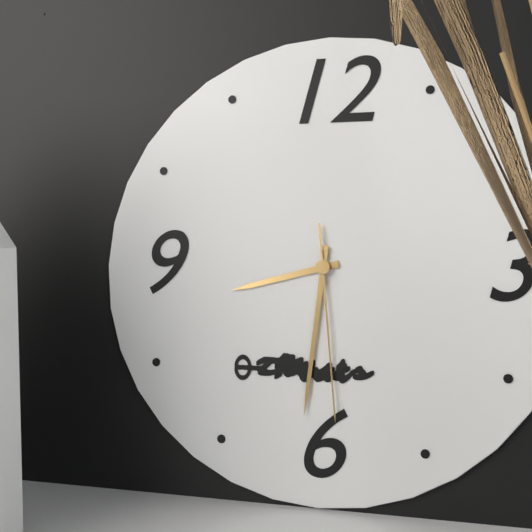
8:31:29
